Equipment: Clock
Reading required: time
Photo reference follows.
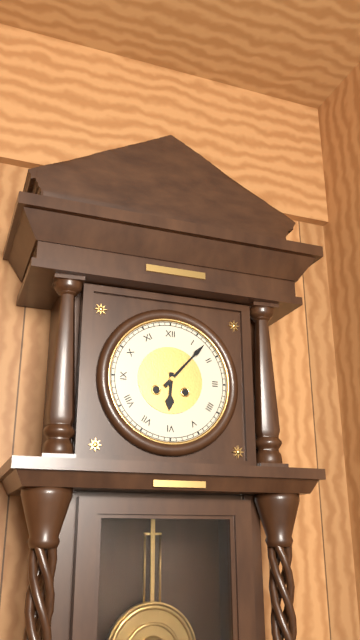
6:07
